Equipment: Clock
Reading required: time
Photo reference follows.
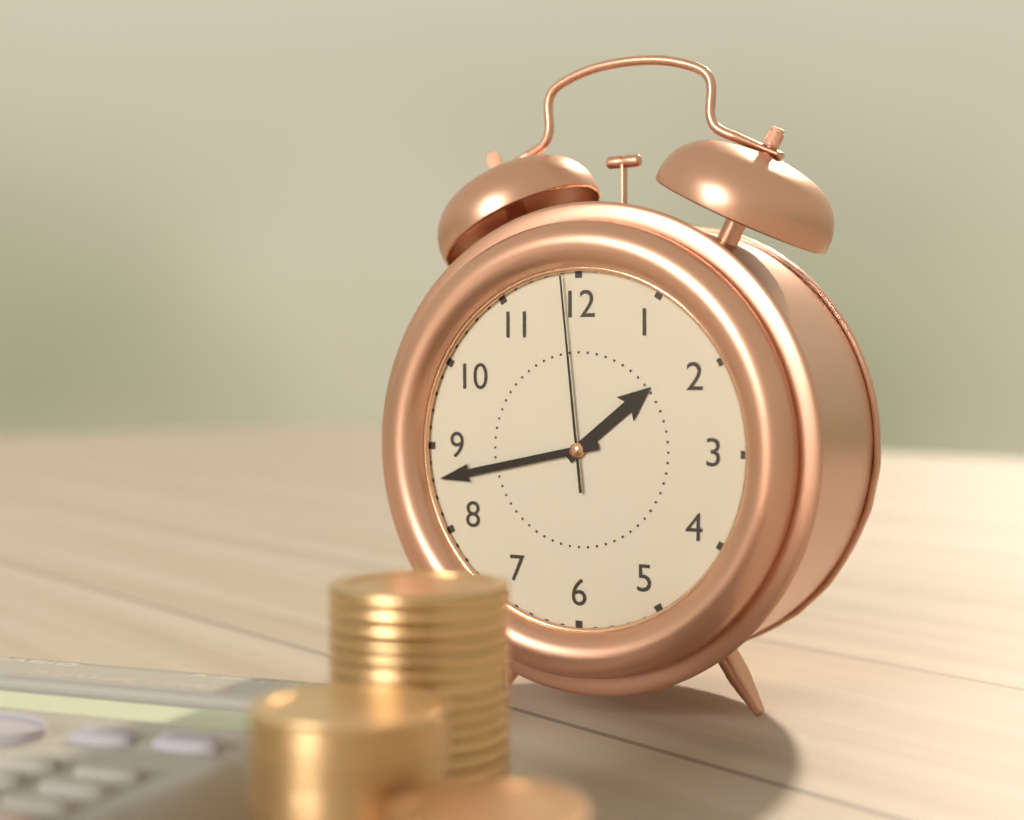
1:43:59
